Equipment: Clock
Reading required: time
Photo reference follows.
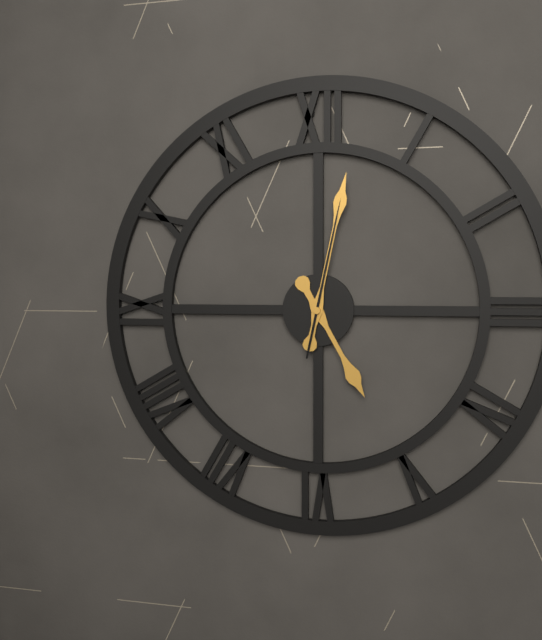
5:02:02
